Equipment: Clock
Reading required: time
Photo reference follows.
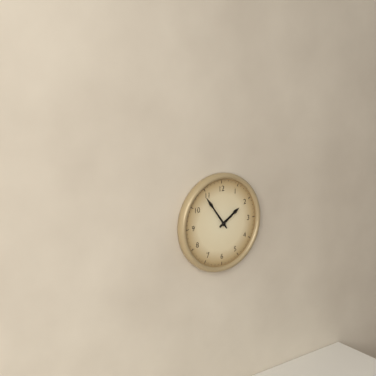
1:54
